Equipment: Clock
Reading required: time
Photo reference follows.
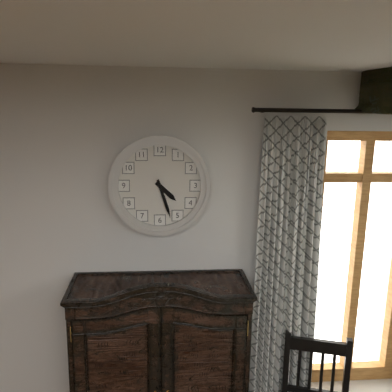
4:27
